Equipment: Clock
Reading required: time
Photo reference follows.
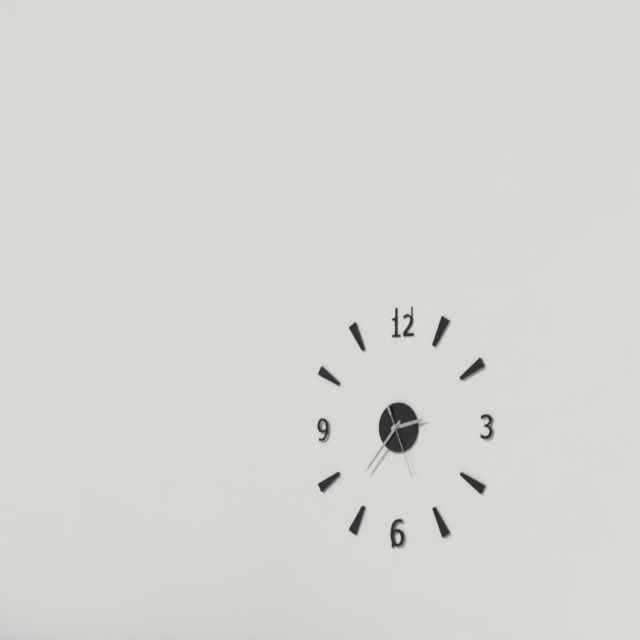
2:37:26
